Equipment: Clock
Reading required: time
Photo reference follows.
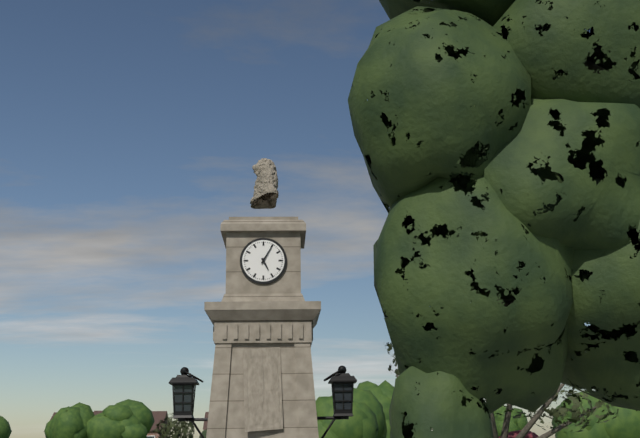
5:05
